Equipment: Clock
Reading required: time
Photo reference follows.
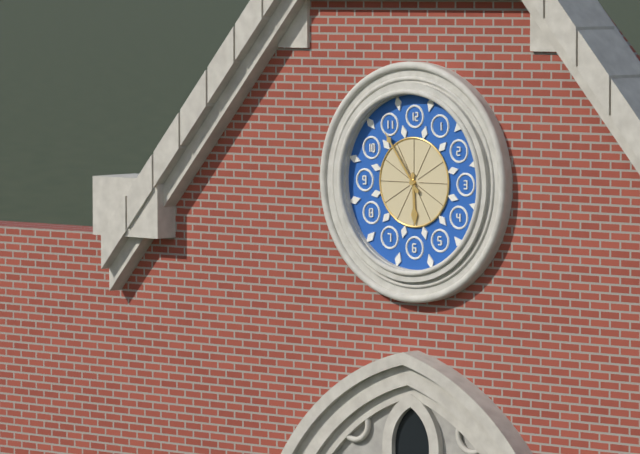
5:54
